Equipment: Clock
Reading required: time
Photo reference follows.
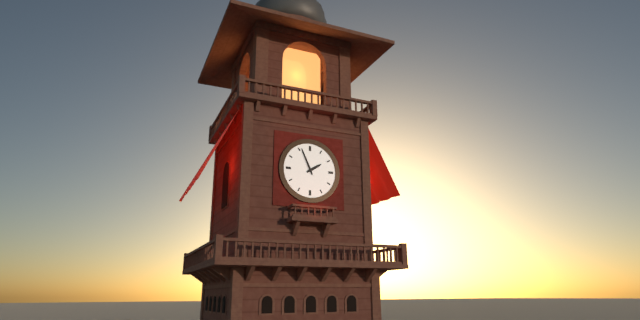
1:56
